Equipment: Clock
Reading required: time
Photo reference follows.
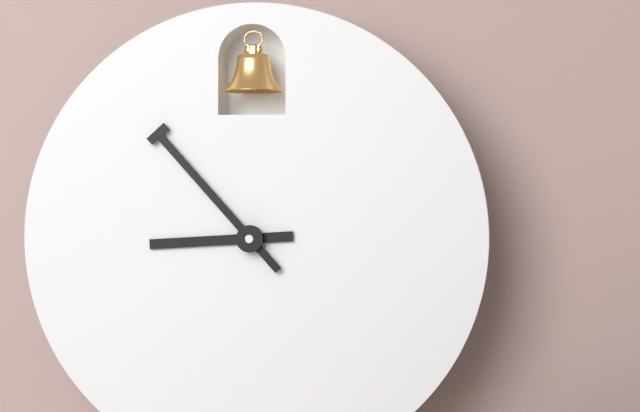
8:53
